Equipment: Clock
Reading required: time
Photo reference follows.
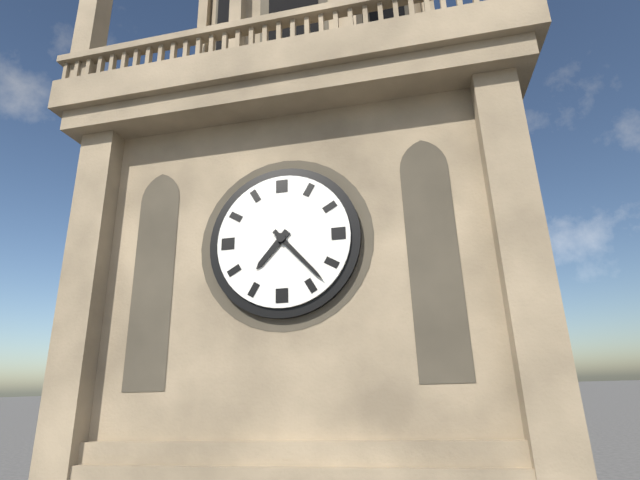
7:23
